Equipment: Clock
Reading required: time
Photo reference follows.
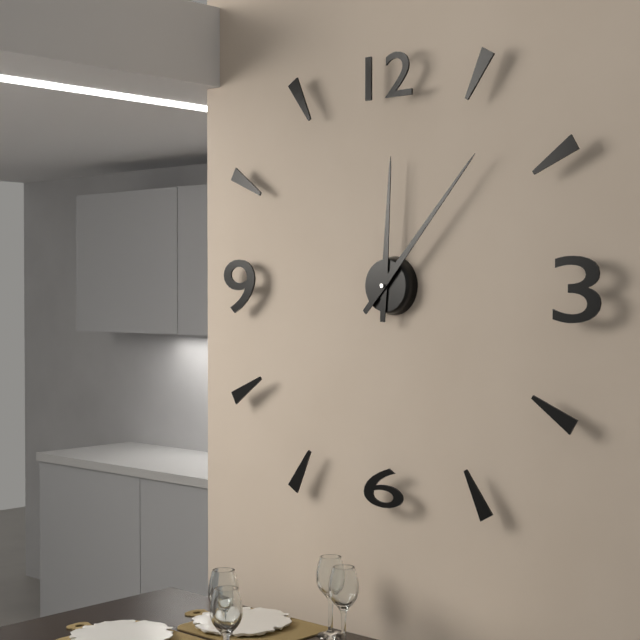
12:07
